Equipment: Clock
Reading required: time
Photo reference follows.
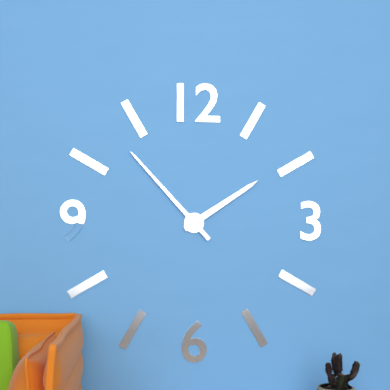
1:53
